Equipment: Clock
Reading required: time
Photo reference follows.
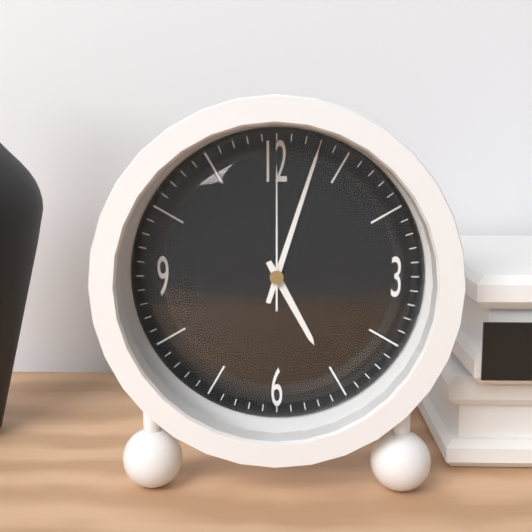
5:03:00
